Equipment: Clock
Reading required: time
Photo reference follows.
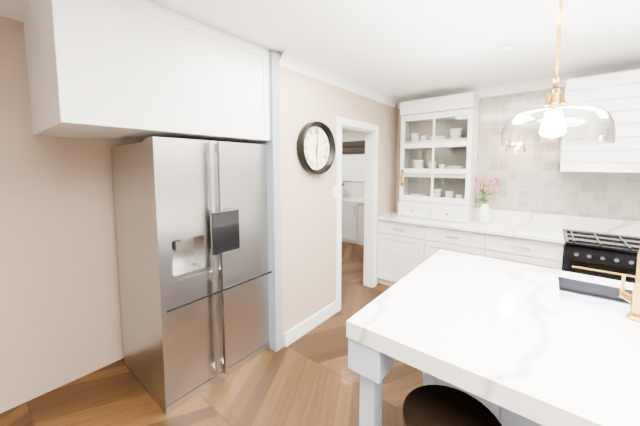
6:01
